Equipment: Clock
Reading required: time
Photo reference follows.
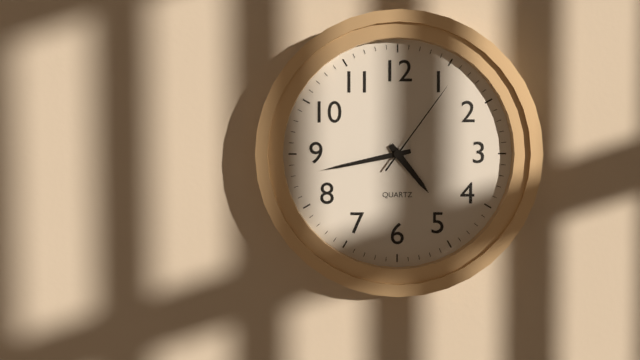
4:43:06
